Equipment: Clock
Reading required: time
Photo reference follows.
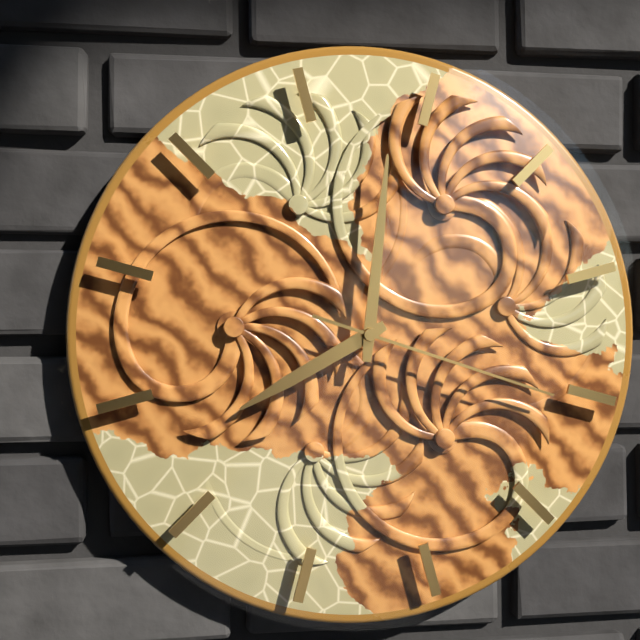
8:01:18
